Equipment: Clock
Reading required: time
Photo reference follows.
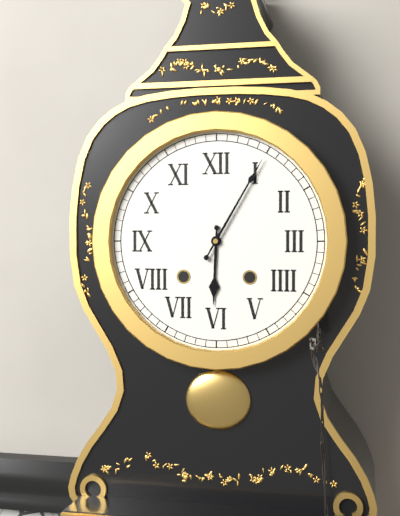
6:05
